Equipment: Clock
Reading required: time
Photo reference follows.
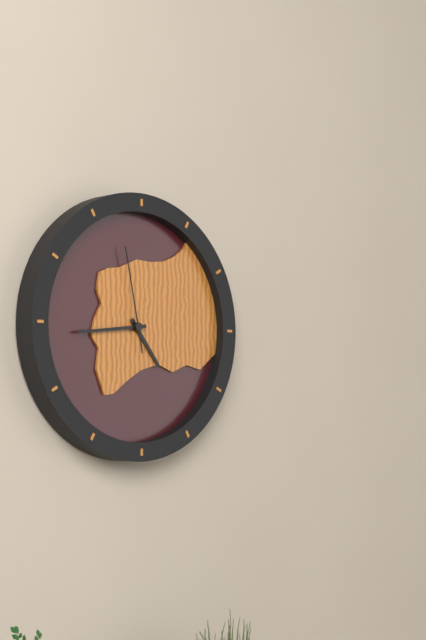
4:44:58
